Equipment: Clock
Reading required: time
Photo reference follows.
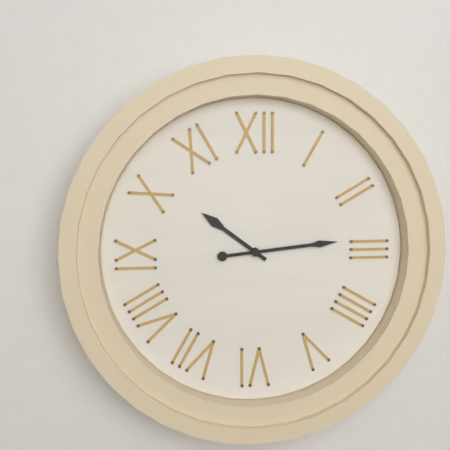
10:14
